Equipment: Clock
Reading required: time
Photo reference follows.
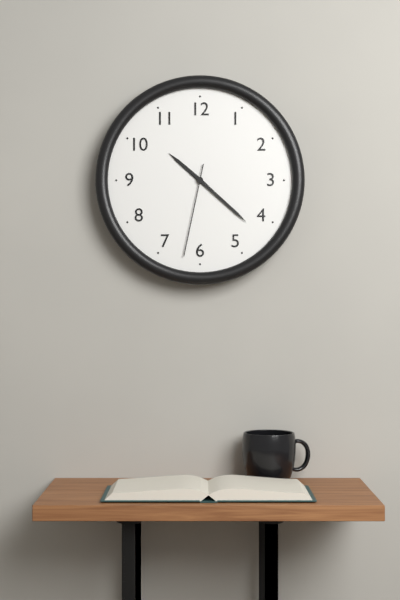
10:22:32
